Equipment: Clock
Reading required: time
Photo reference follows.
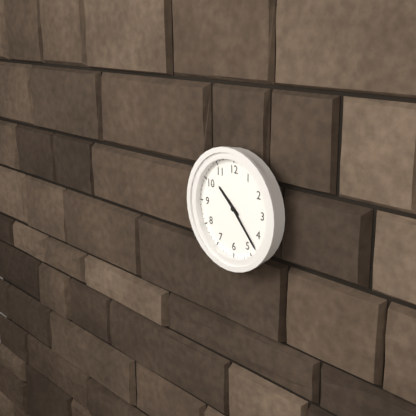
10:23
